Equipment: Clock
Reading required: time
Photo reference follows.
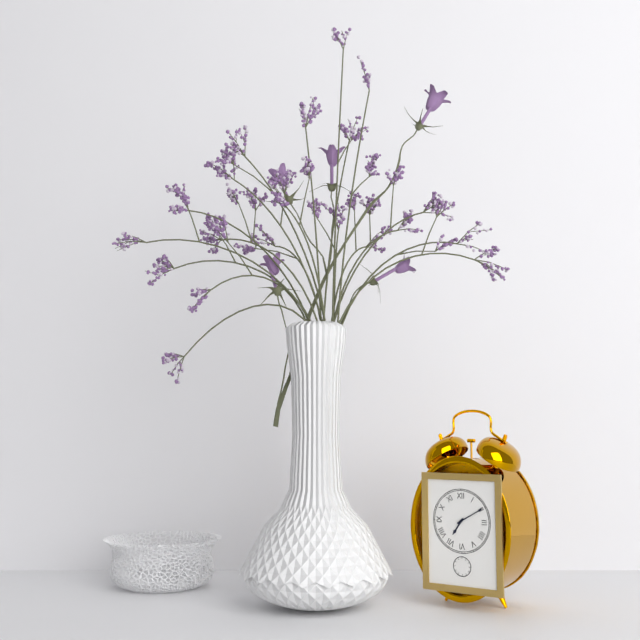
7:10
